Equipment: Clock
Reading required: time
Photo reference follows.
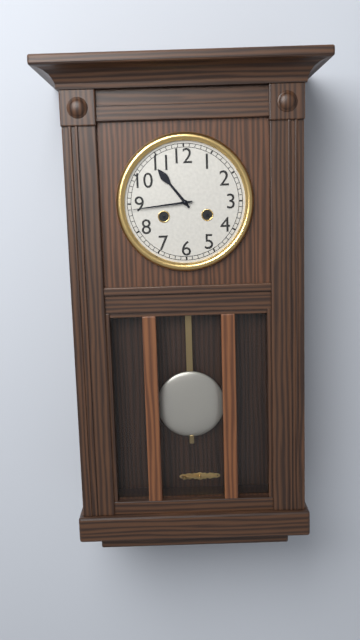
10:44
